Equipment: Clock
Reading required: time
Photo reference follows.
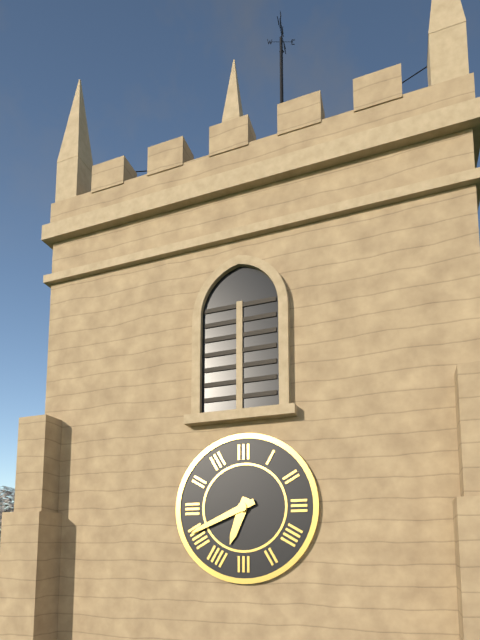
6:41
